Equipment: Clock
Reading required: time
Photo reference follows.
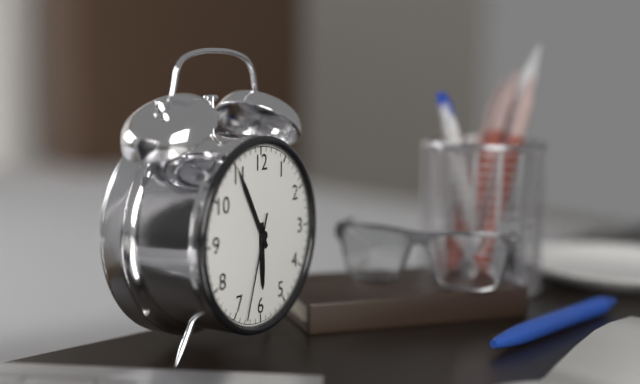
5:55:33
